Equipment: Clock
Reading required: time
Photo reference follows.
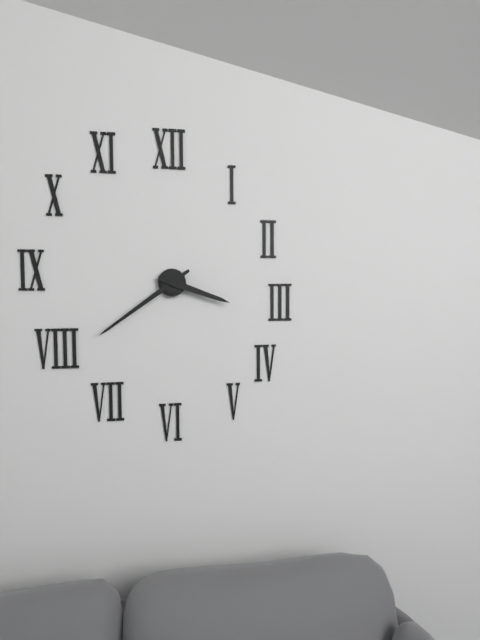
3:39
